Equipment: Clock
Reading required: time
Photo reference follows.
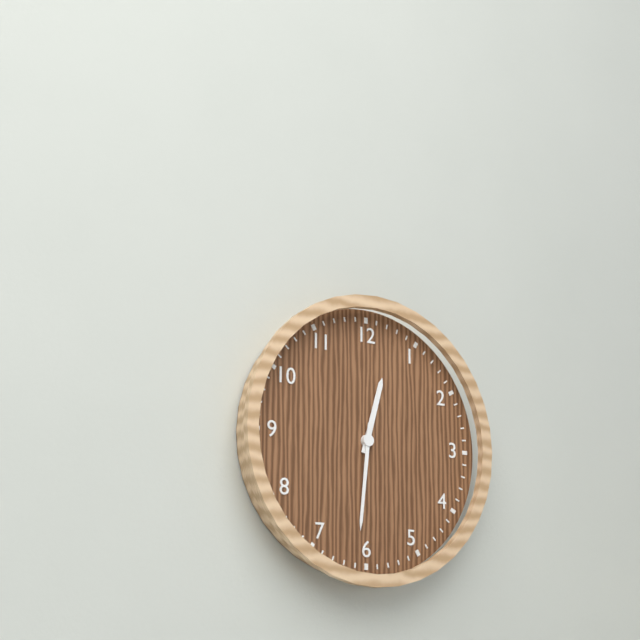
12:31
